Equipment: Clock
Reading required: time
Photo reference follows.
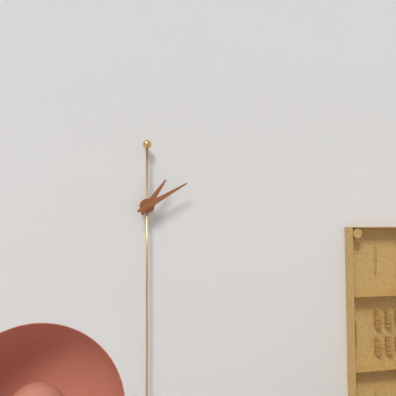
1:10
